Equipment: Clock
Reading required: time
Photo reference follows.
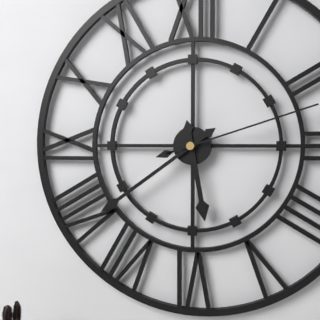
5:39:12
